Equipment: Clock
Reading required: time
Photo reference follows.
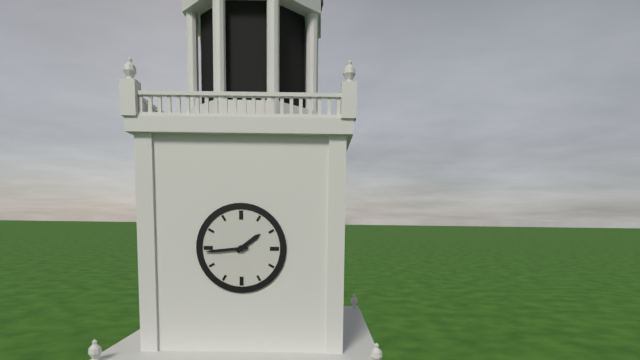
1:44
